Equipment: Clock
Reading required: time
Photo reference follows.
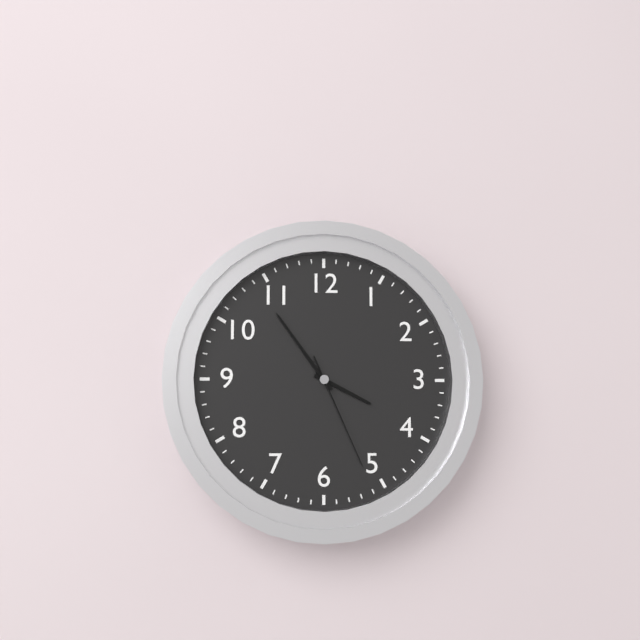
3:54:26
